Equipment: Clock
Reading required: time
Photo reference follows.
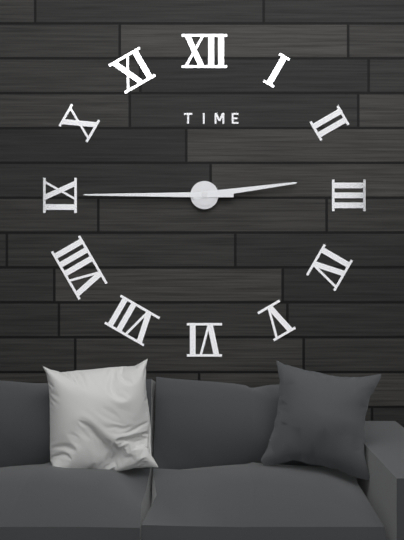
2:45
